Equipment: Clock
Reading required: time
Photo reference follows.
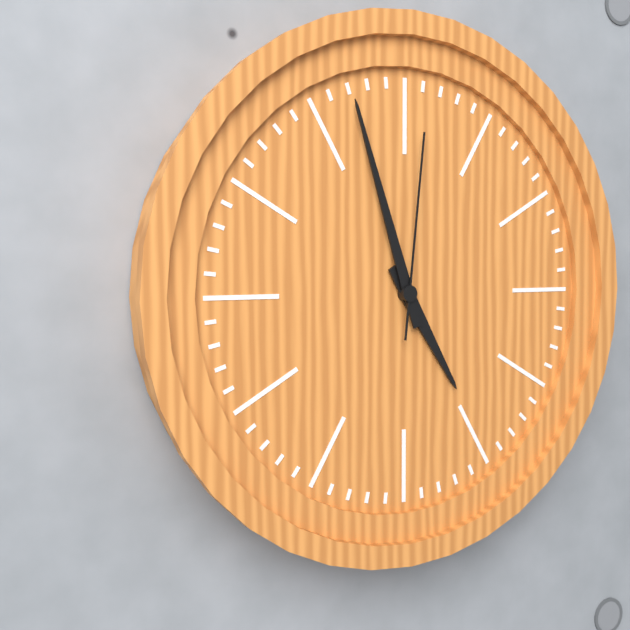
4:57:01
